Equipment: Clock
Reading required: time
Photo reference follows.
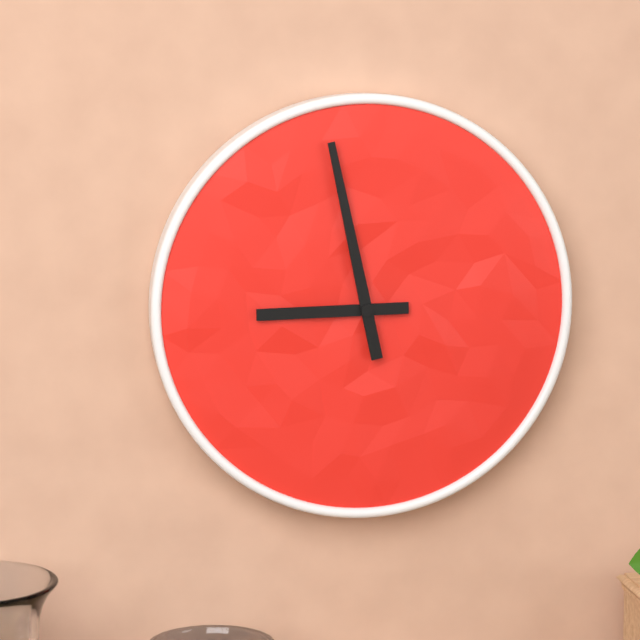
8:58
